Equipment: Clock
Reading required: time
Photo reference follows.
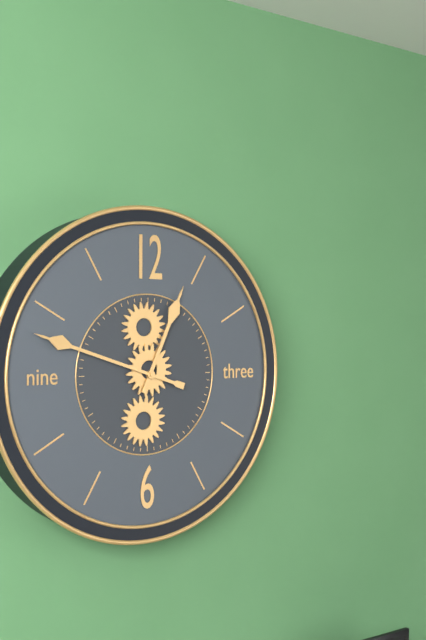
12:48
